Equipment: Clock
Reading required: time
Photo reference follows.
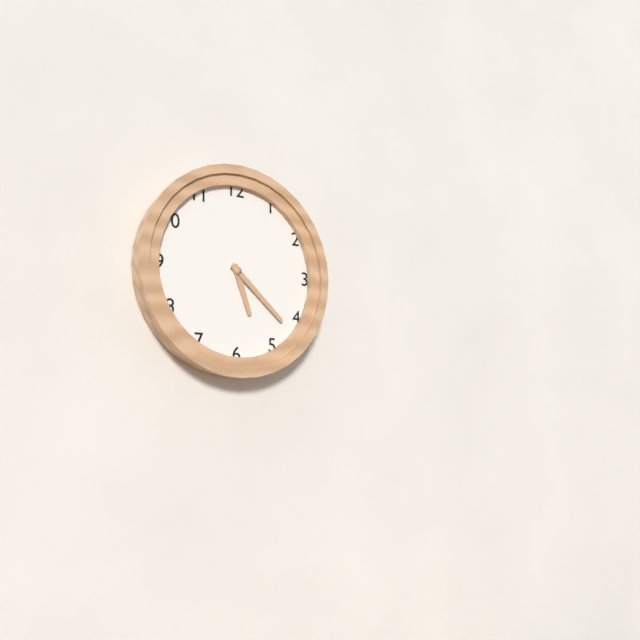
5:22
